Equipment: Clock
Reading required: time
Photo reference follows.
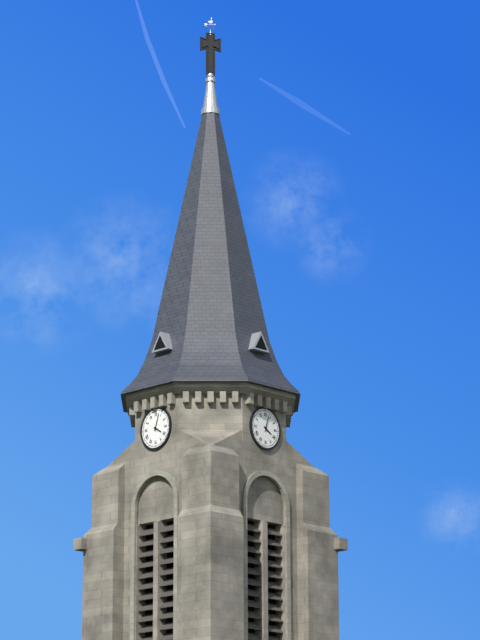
4:03
